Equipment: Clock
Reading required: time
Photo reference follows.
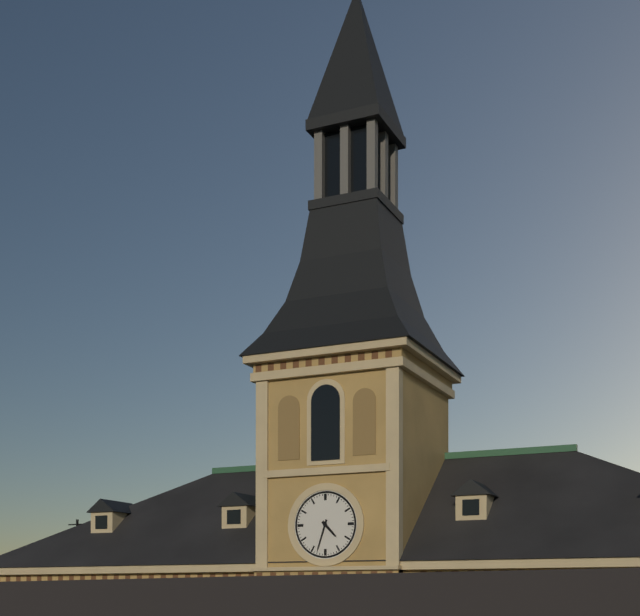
4:33
